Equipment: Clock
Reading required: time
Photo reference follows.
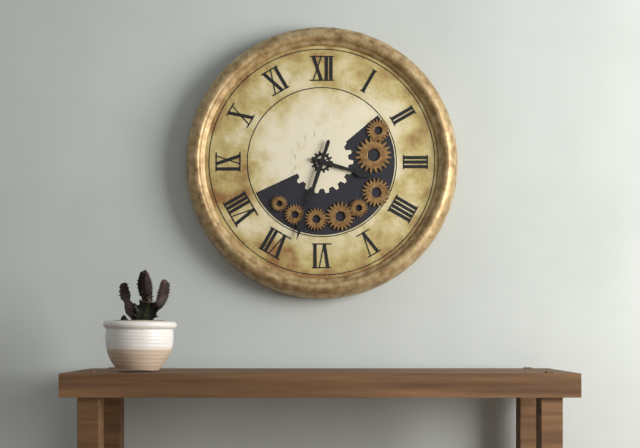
3:33
